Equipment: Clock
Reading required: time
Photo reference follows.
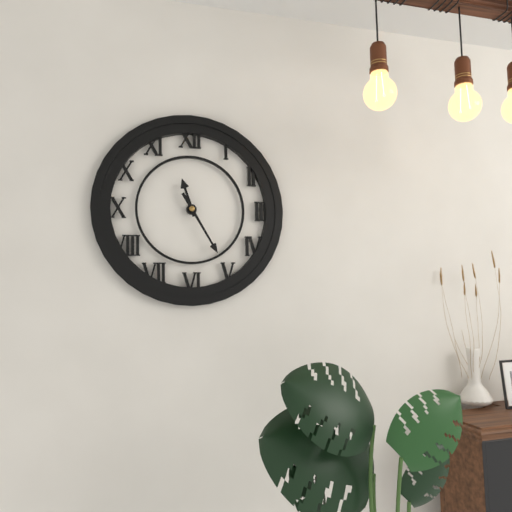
11:25
